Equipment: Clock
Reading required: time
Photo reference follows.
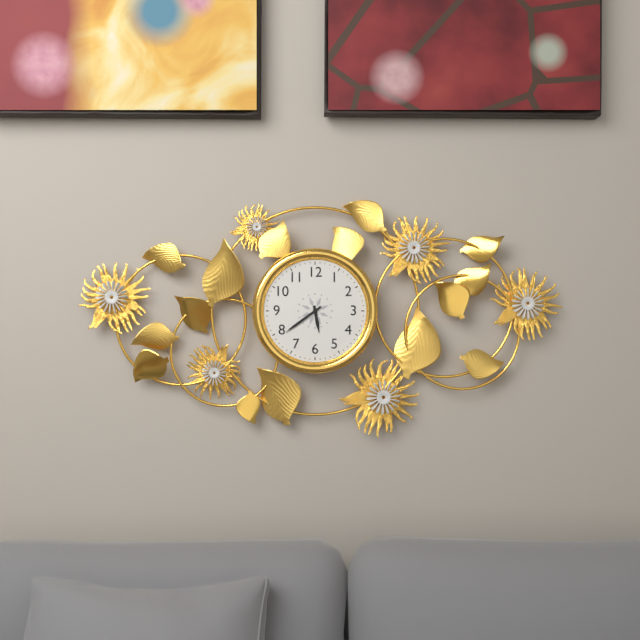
5:39
